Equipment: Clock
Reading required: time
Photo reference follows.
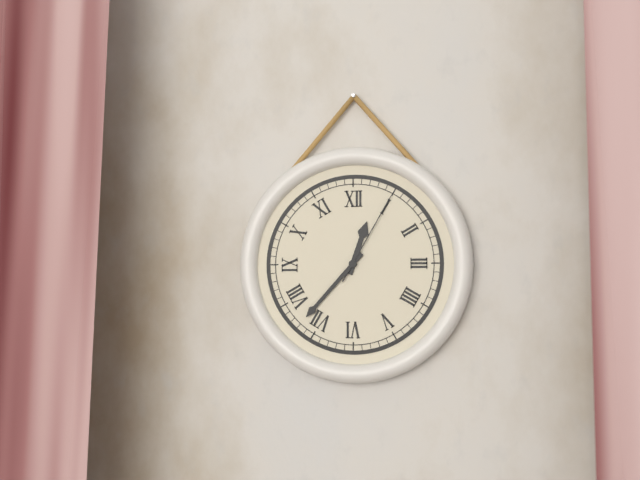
12:37:05
